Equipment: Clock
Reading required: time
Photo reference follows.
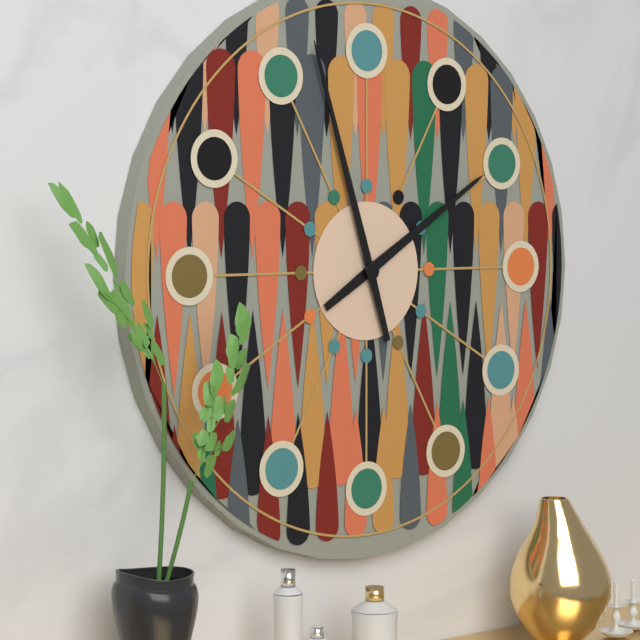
1:57
